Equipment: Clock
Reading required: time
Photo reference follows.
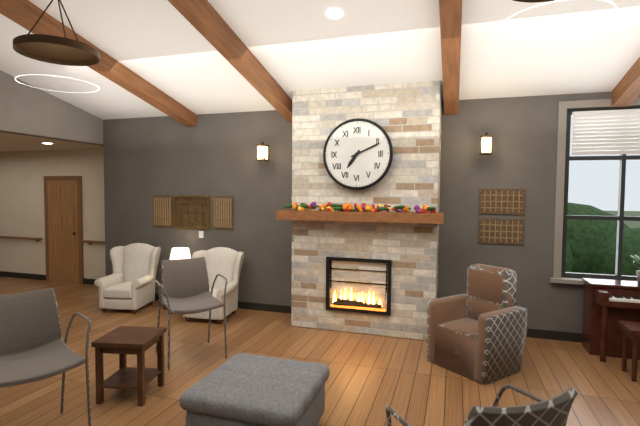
7:11
